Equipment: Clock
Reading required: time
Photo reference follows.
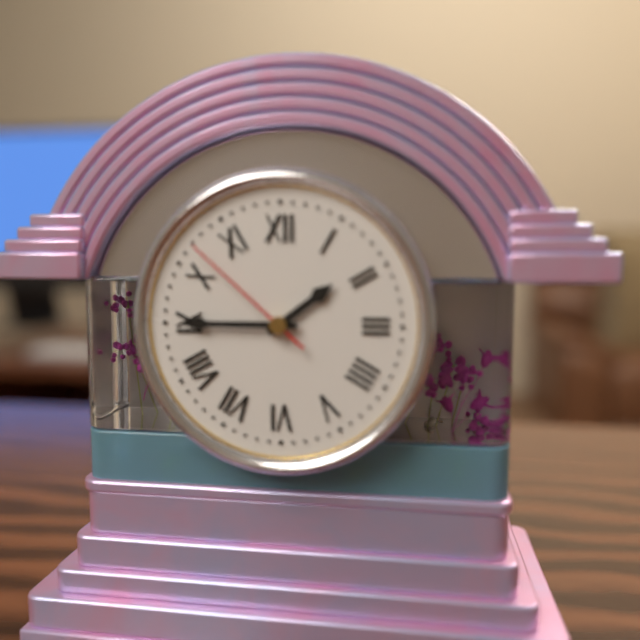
1:45:52
